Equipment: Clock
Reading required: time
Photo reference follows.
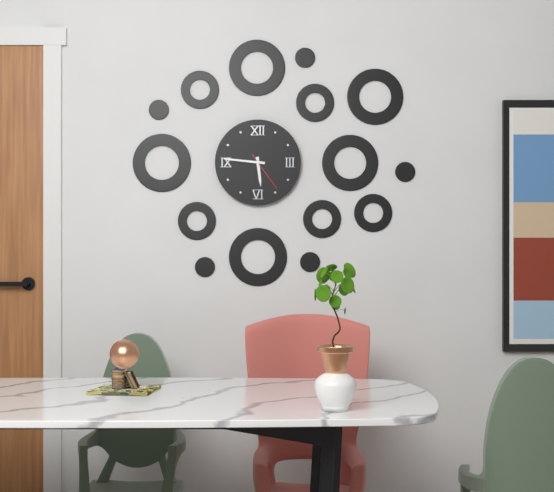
5:46
